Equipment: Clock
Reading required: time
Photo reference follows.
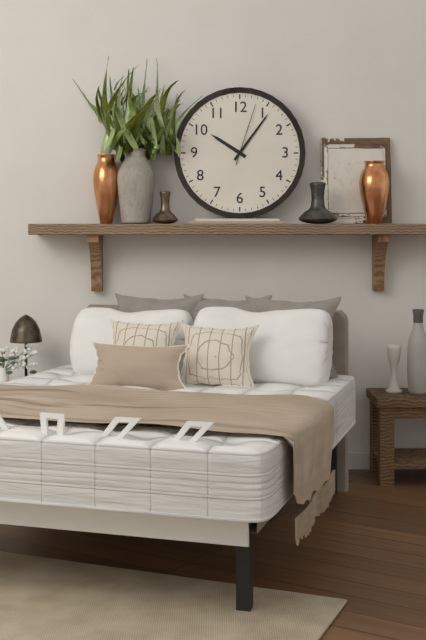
10:06:03
